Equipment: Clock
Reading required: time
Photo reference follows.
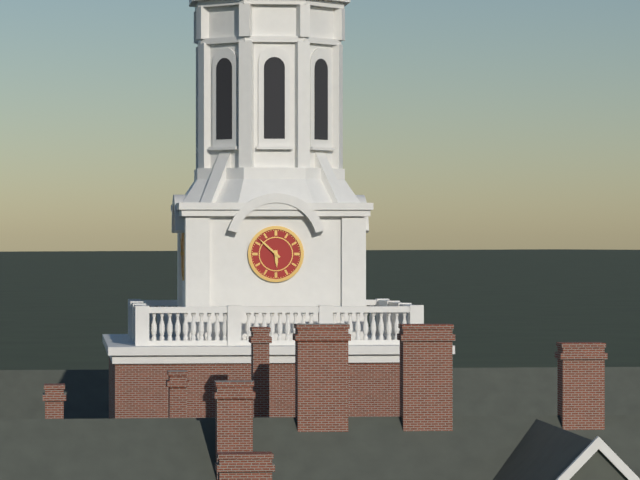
5:52
